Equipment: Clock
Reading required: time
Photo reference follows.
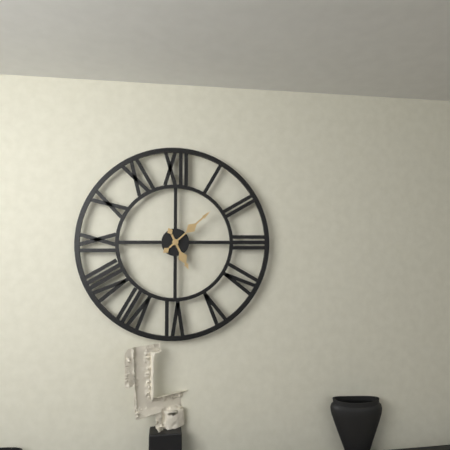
5:08
